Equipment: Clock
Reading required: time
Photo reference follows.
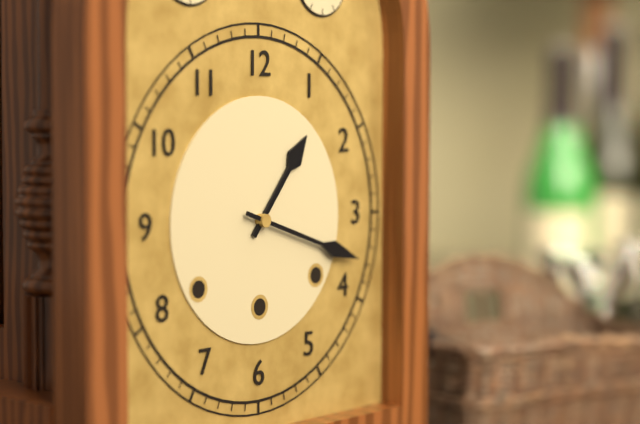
1:18
